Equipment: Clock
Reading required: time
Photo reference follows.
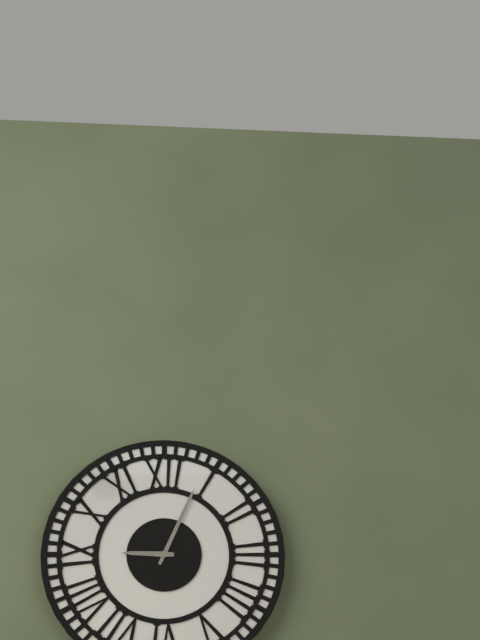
9:04
